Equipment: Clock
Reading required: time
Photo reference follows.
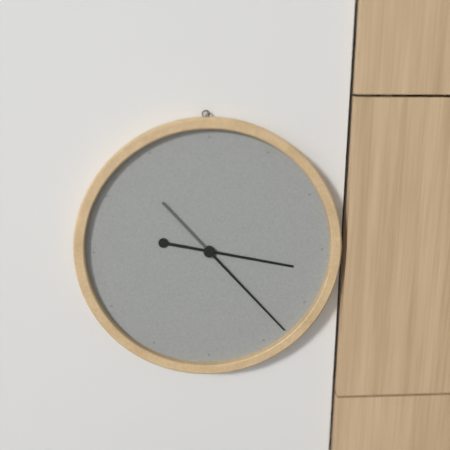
3:23
